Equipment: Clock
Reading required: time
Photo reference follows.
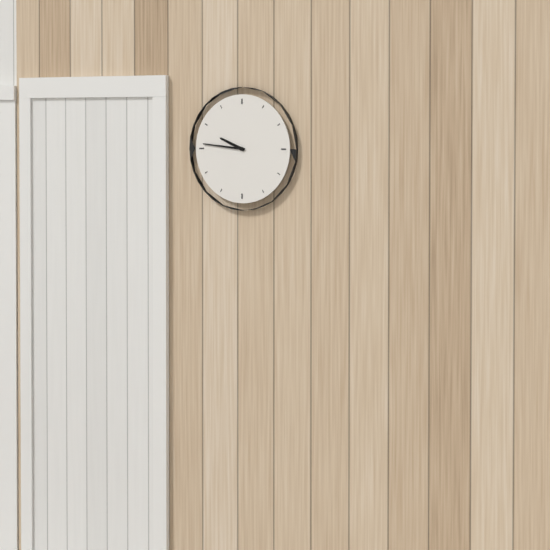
9:46
